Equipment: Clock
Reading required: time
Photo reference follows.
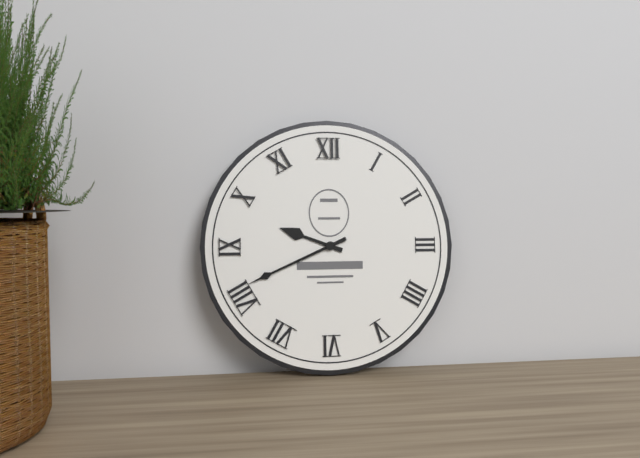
9:41
